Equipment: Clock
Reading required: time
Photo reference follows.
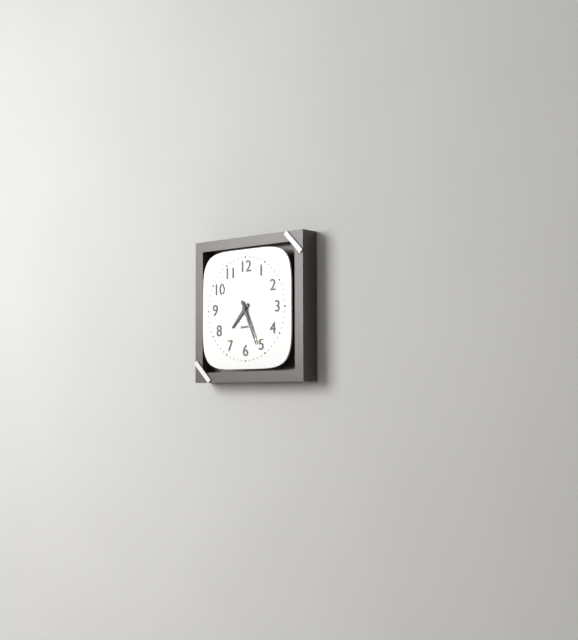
7:26
